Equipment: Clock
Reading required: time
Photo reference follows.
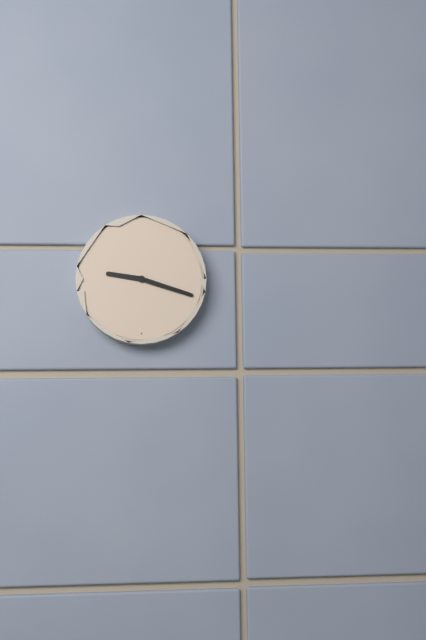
9:18
